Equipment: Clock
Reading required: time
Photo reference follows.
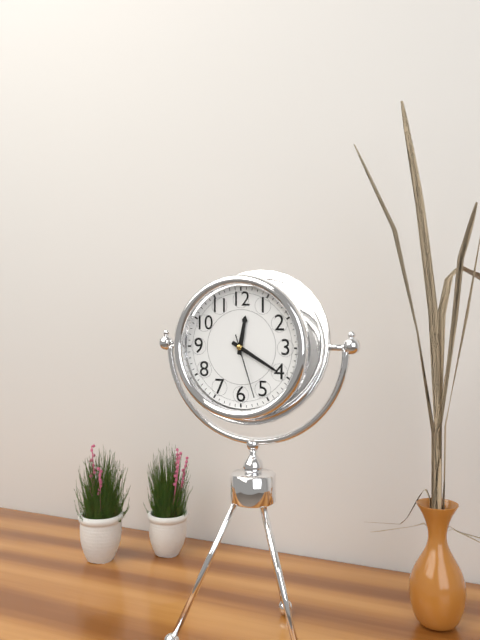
12:20:27
